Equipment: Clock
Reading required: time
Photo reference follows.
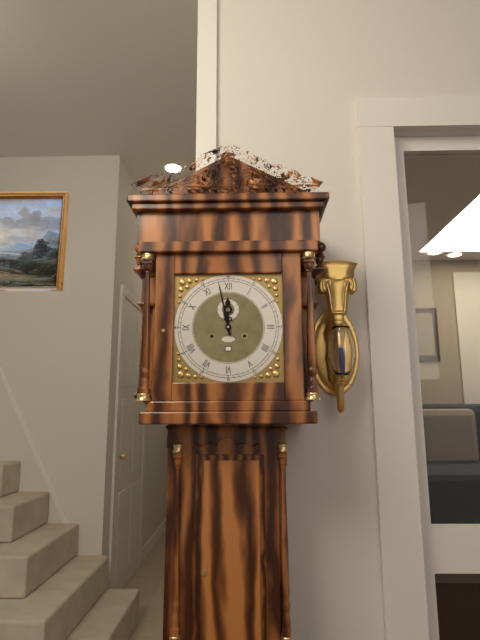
11:58
